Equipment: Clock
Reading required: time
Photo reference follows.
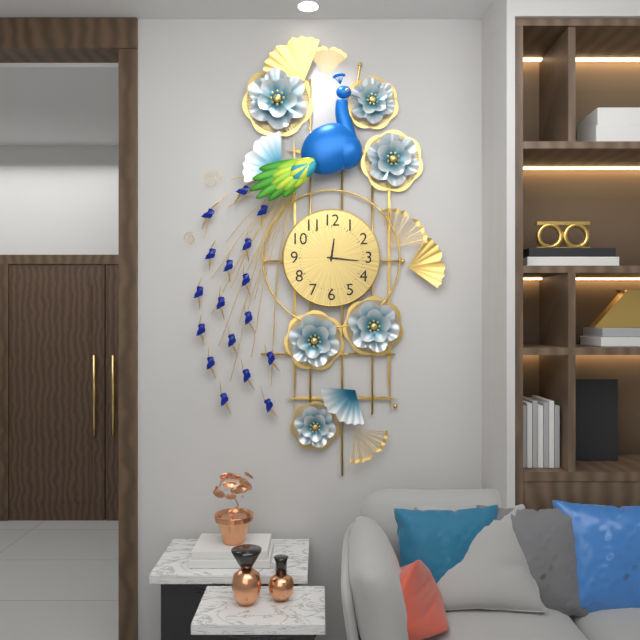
12:16
